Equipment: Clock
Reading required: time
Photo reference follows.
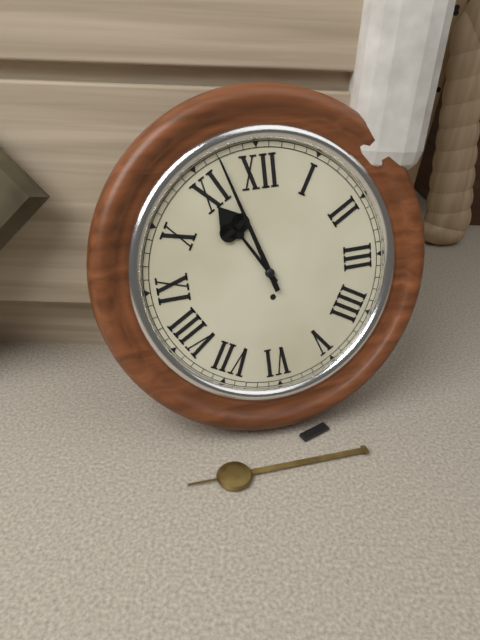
10:57
